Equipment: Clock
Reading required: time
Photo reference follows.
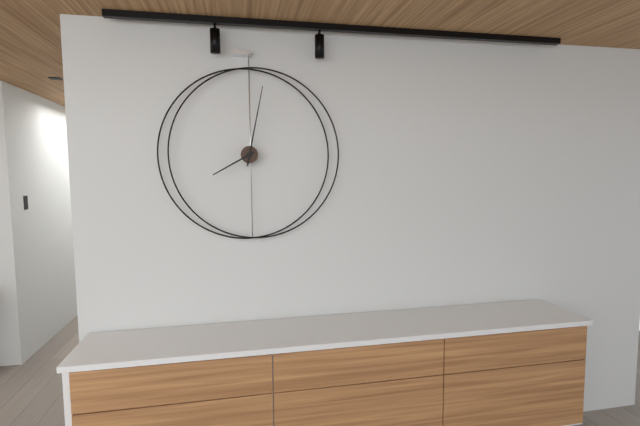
8:02
